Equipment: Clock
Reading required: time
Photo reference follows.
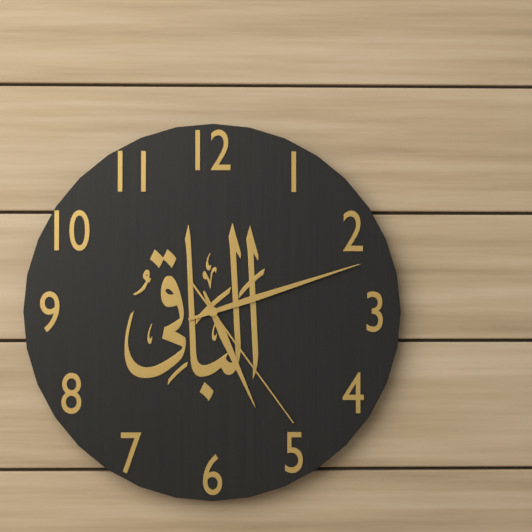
5:12:24
